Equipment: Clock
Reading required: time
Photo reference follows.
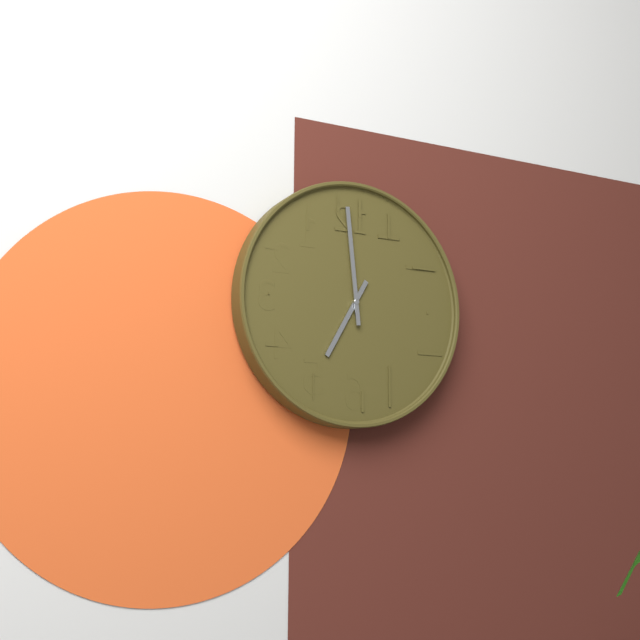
6:59
